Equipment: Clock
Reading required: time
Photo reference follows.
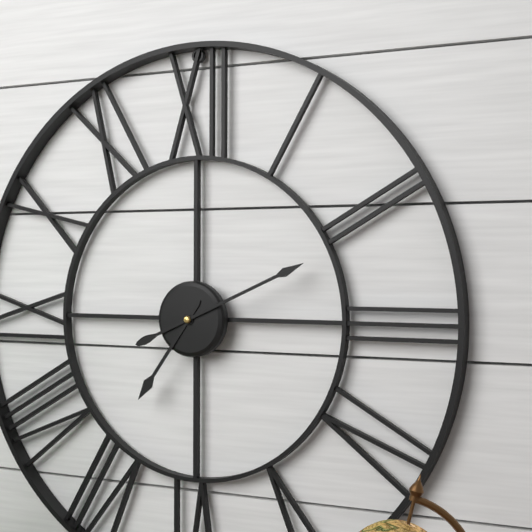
7:11
